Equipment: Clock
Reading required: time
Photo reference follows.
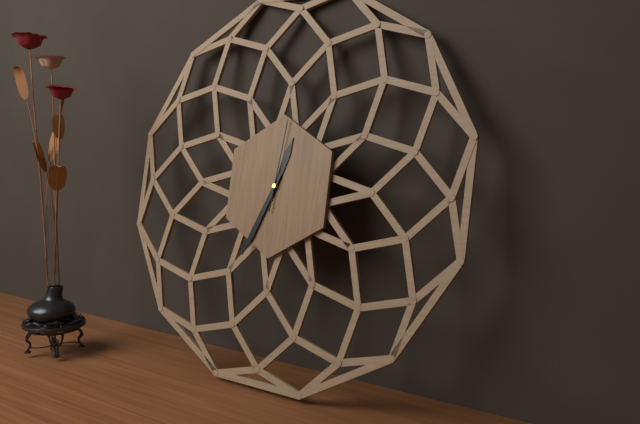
12:34:01
